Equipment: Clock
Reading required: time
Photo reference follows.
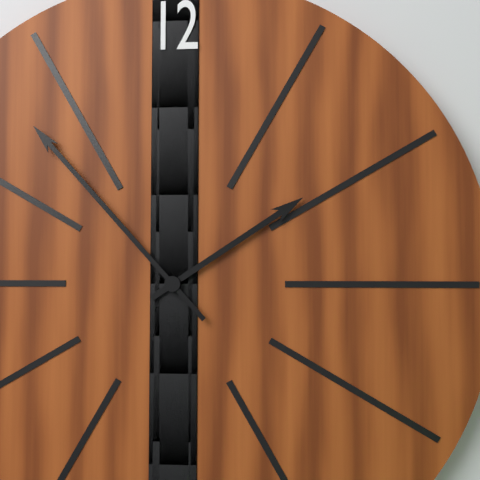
1:53
